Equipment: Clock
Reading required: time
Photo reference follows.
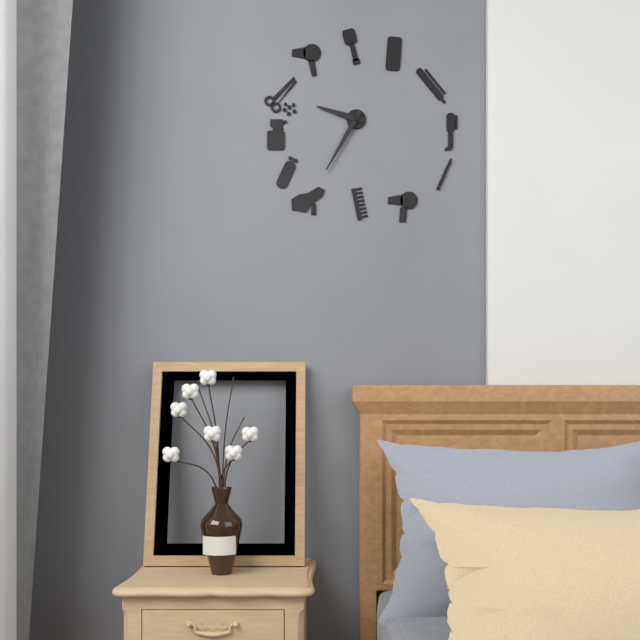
9:35
